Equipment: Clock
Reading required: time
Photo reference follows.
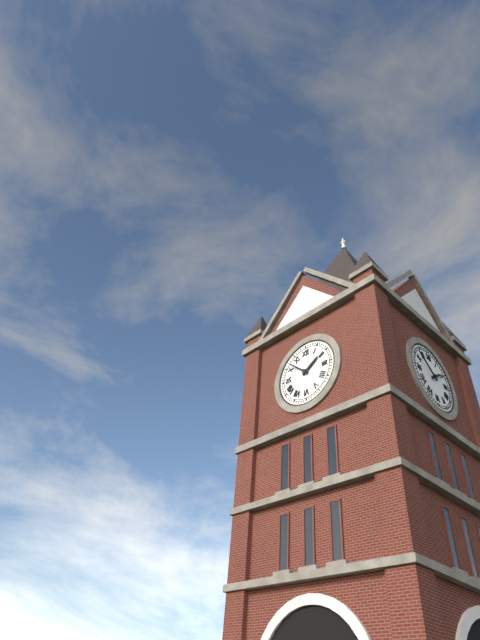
1:52
